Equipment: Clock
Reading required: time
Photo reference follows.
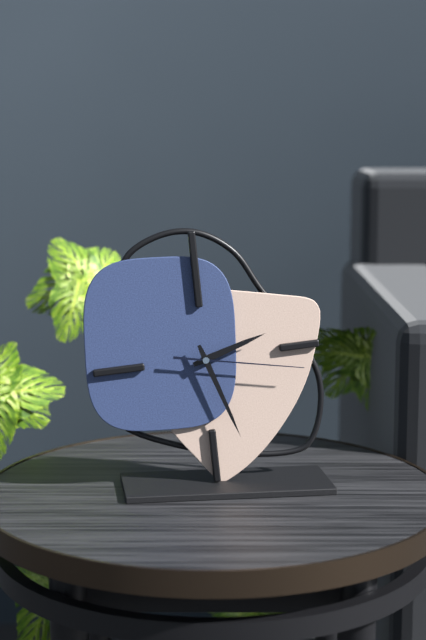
2:27:17
